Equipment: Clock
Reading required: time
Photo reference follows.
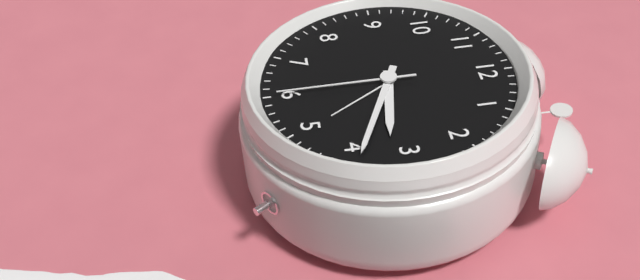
3:19:30
